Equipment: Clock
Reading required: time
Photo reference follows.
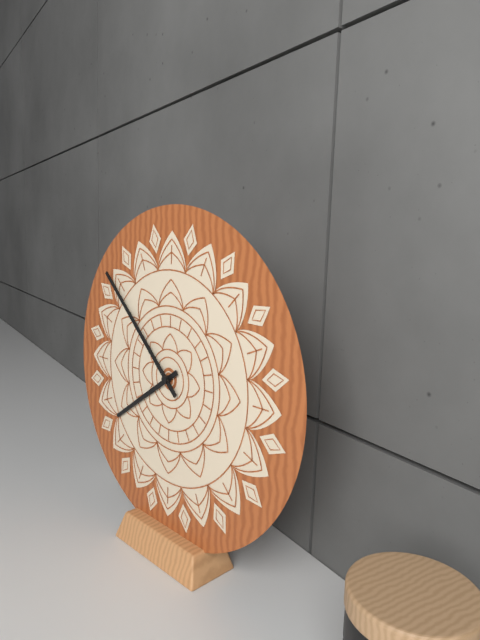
7:52
